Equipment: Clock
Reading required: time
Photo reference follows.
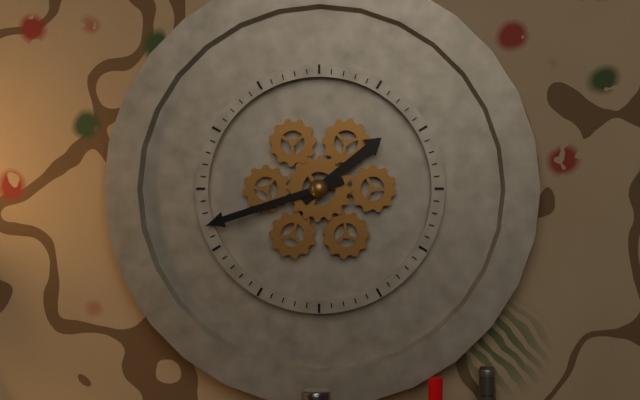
1:42
